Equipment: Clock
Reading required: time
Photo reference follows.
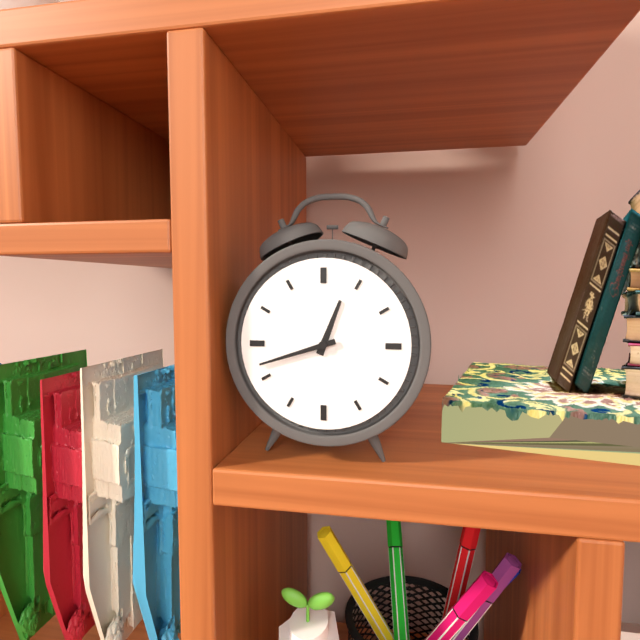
12:42
